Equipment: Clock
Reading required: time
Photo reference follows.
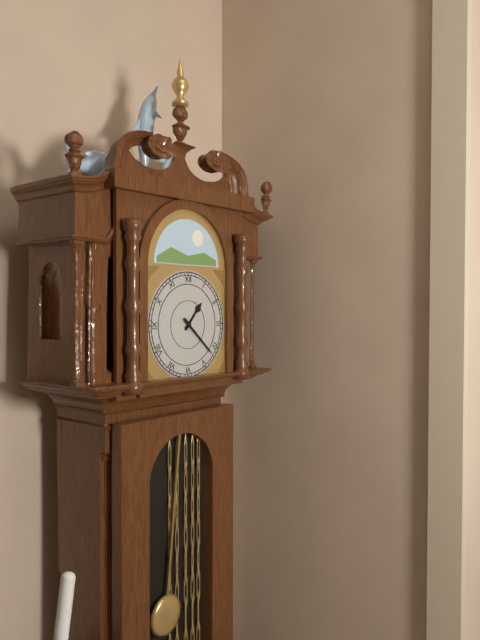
1:22
